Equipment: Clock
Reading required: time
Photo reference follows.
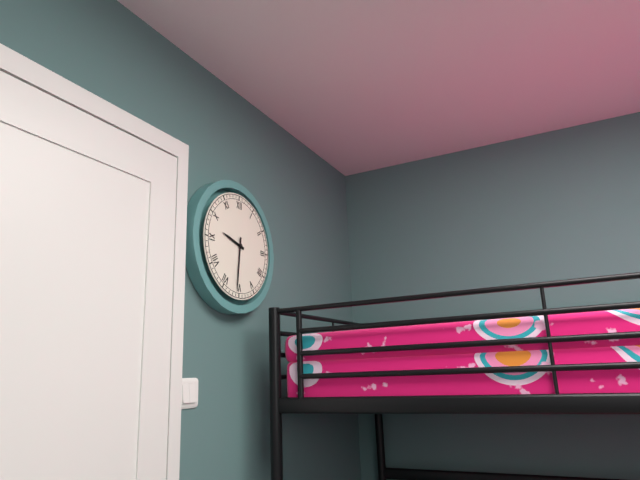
9:31
